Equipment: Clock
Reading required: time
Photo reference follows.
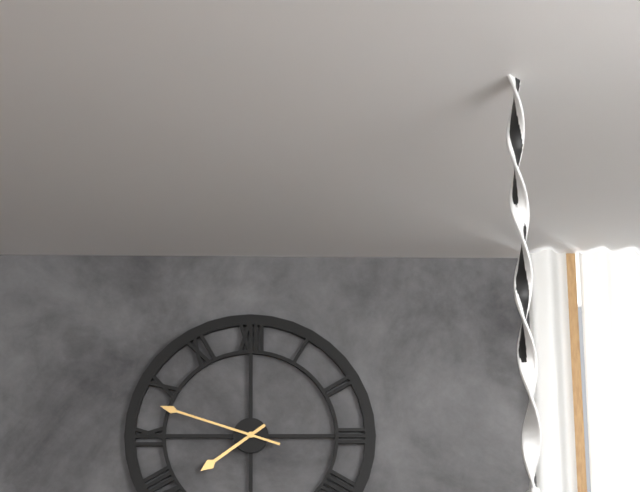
7:48
